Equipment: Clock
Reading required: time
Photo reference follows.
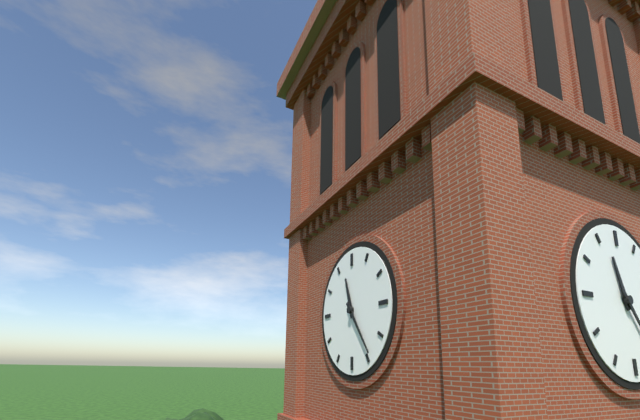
11:24
